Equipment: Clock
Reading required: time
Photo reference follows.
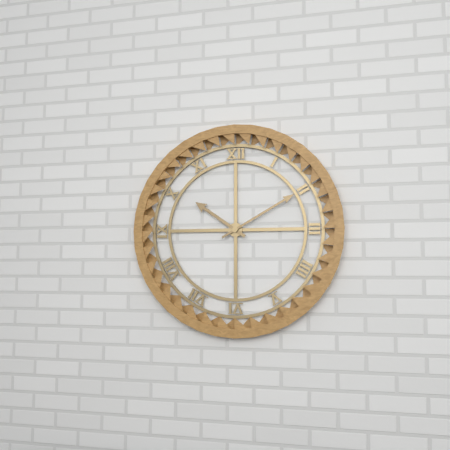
10:10
